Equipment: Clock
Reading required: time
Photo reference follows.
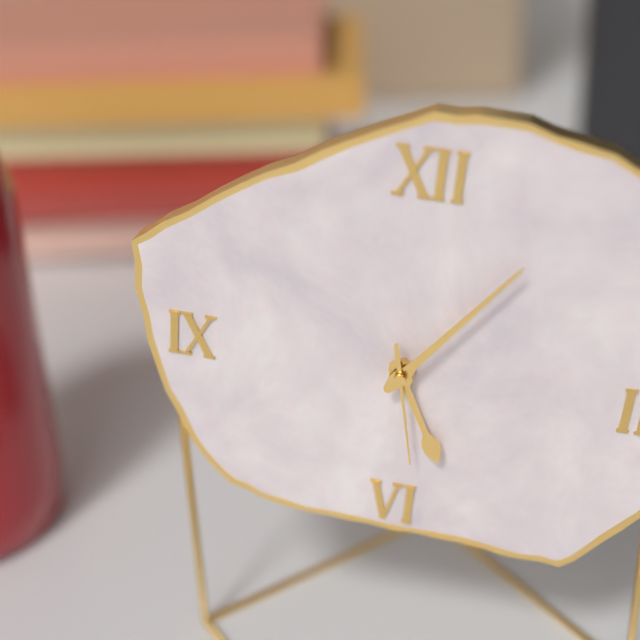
5:06:28
